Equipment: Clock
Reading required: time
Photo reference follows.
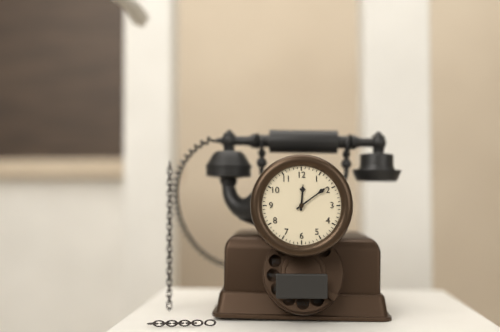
12:09
